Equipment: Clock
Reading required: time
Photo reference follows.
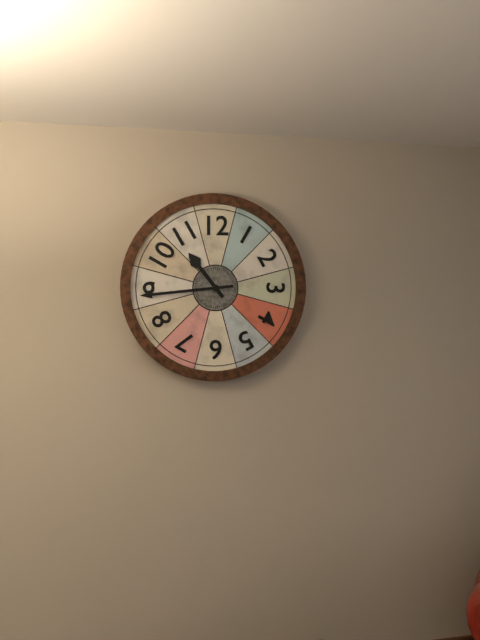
10:44
